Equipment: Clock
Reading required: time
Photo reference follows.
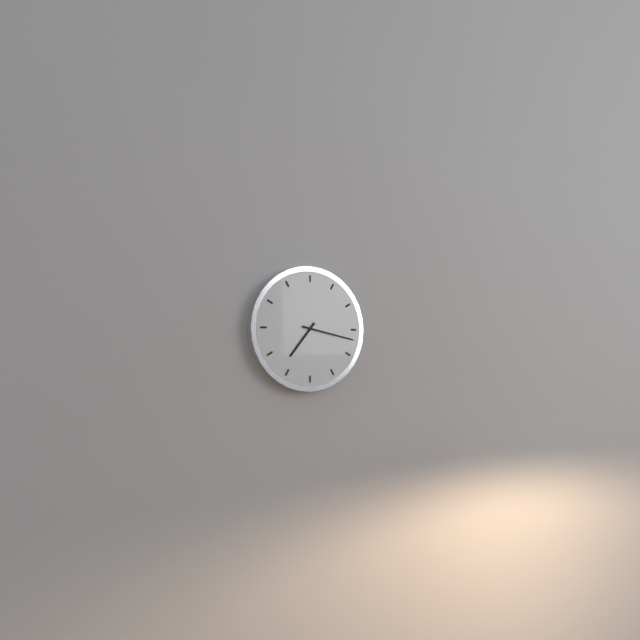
7:17
